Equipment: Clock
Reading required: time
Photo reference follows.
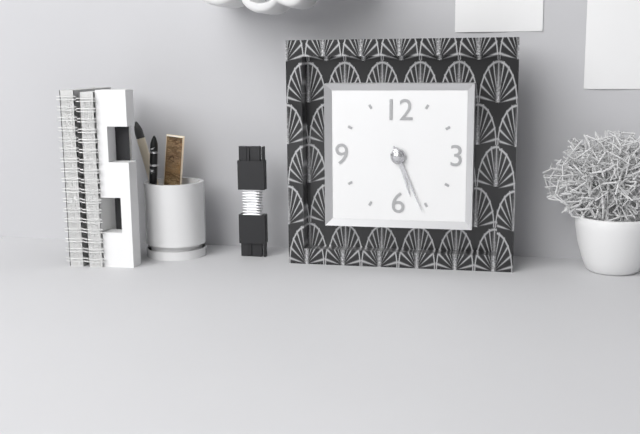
5:26
